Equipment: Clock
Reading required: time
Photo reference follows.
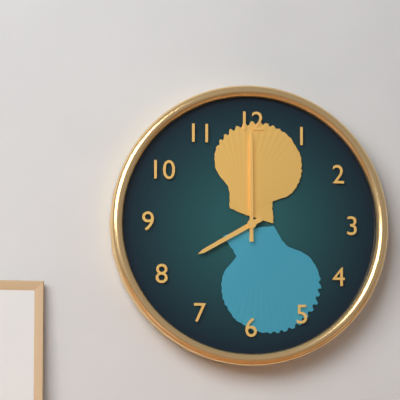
8:00
